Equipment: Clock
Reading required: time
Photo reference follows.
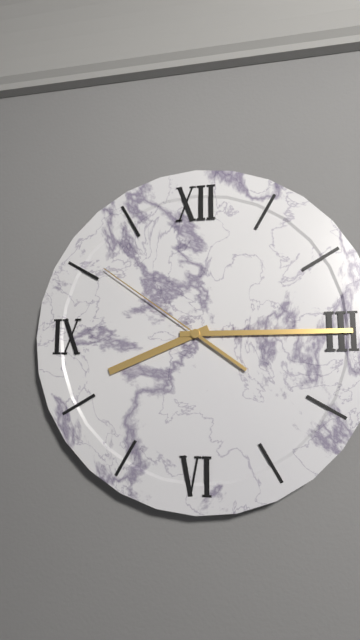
8:15:51
